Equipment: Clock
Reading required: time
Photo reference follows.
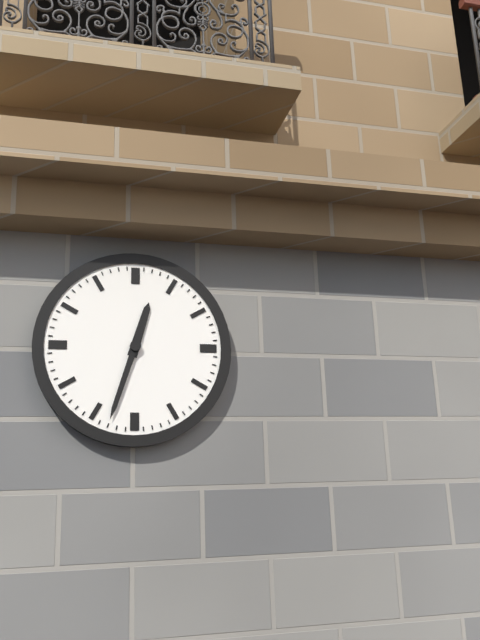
12:33
